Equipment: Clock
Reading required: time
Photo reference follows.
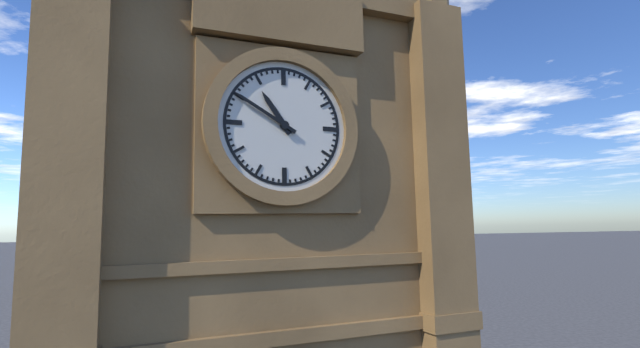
10:50
